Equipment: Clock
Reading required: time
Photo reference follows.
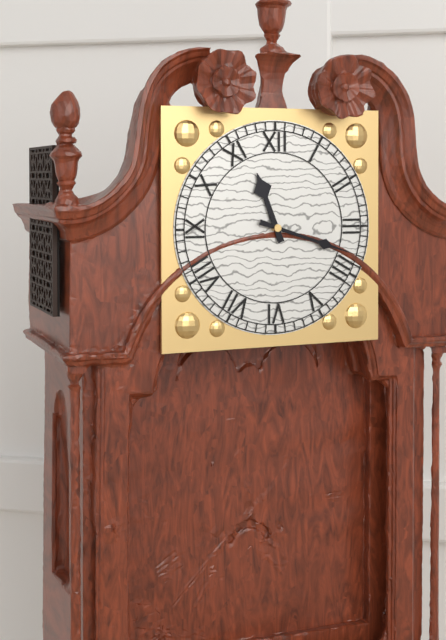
11:18
